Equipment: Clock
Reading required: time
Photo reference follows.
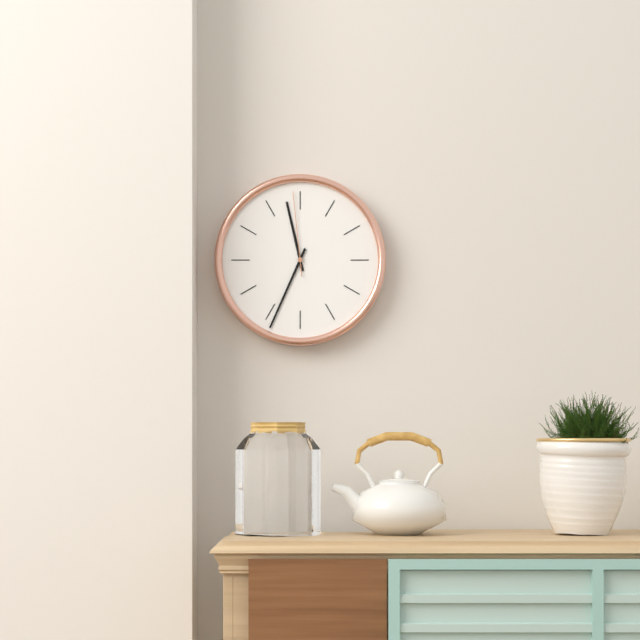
11:34:59
